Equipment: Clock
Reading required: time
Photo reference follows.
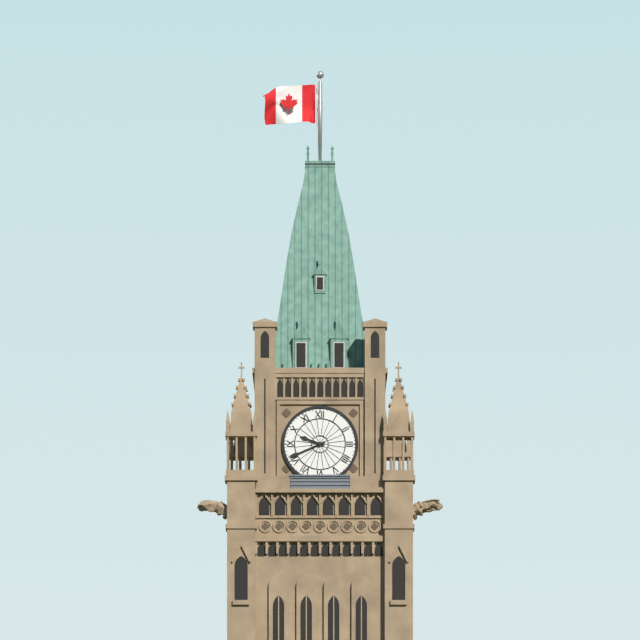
9:41
